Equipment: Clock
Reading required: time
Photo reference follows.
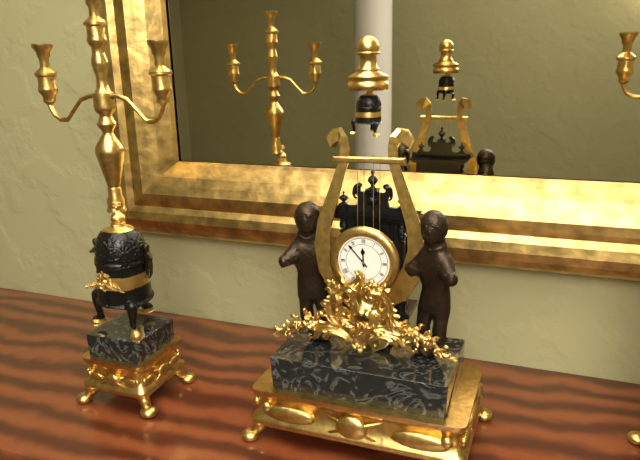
11:53
